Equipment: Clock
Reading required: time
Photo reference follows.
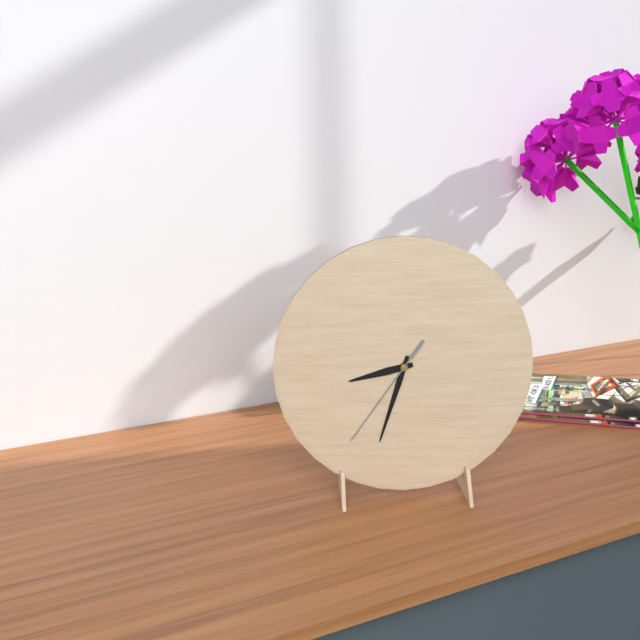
8:33:36
